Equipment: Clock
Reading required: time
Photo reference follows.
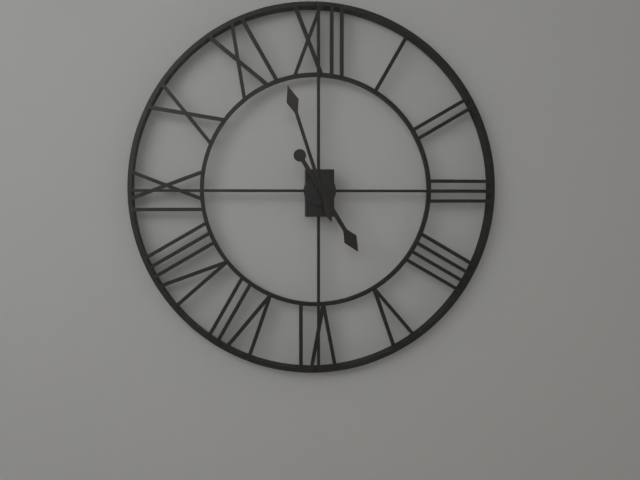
4:57
